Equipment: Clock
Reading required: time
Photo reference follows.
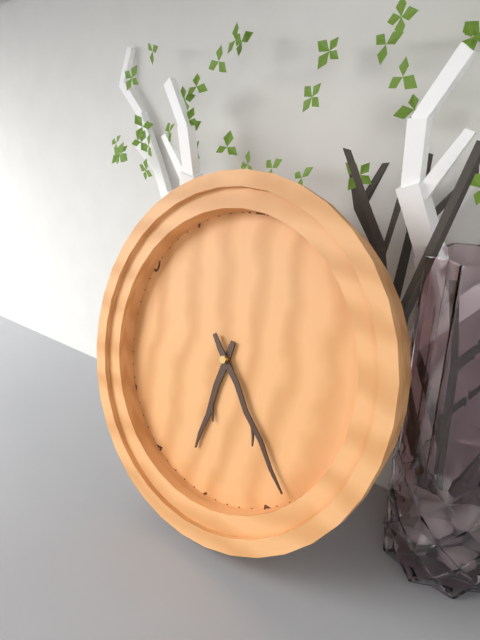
6:23
